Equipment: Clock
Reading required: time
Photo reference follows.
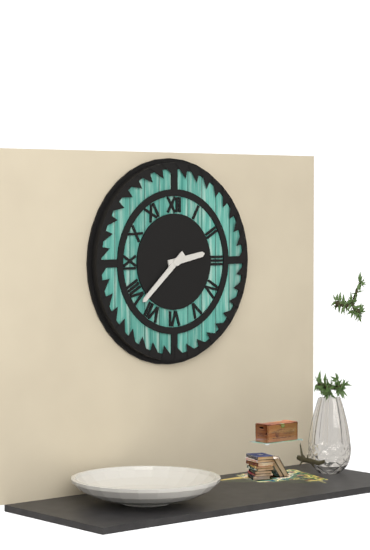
2:38
